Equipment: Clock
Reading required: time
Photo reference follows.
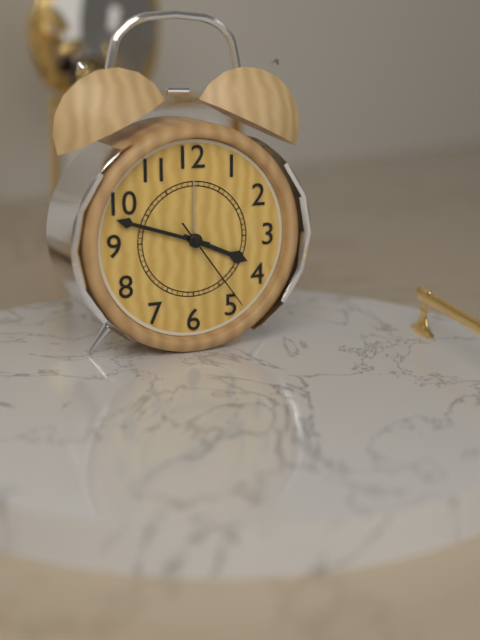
3:48:24
